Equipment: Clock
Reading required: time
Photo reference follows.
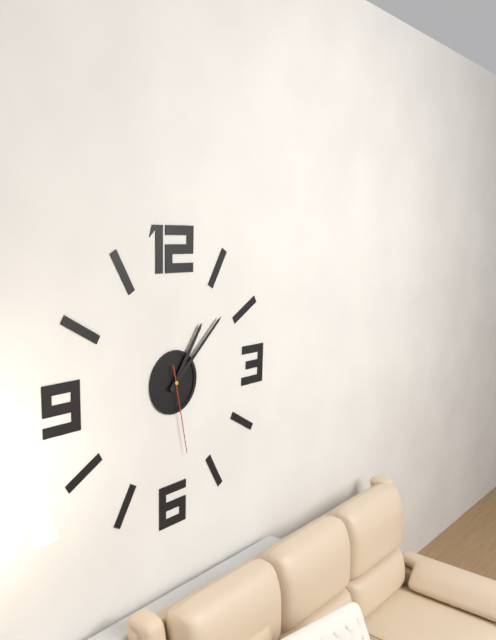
1:08:28
